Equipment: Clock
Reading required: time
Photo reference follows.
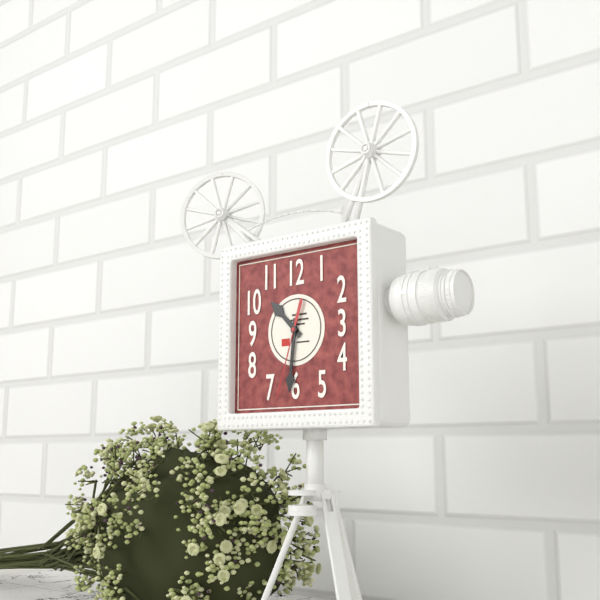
10:31:33
